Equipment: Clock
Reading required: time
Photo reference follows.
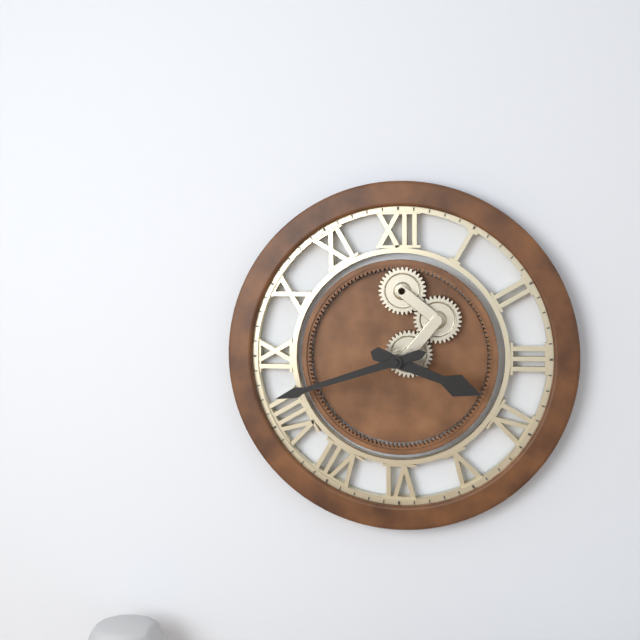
3:42
